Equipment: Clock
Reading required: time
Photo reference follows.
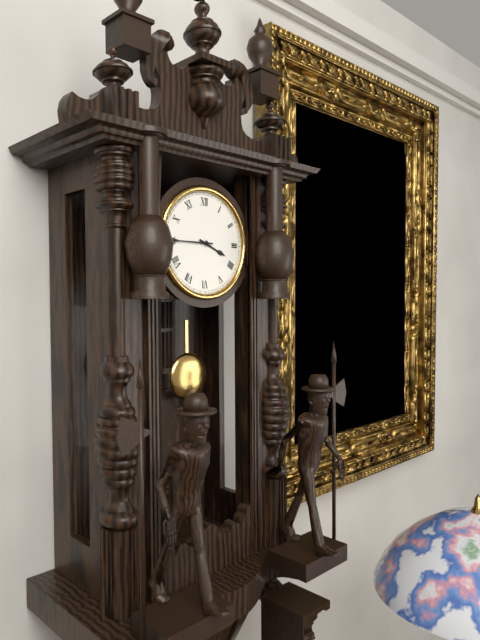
3:45
